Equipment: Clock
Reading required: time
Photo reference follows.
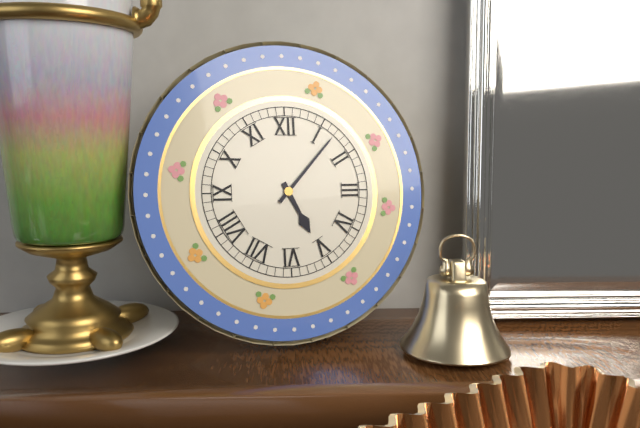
5:07
